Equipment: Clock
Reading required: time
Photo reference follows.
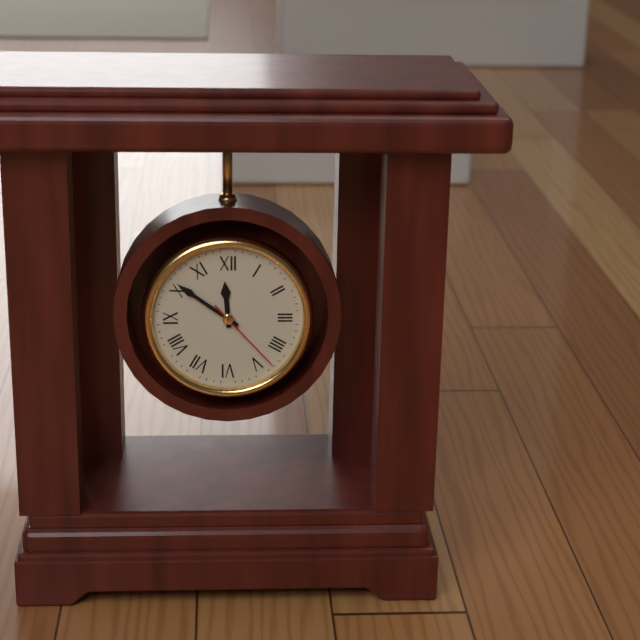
11:51:23
